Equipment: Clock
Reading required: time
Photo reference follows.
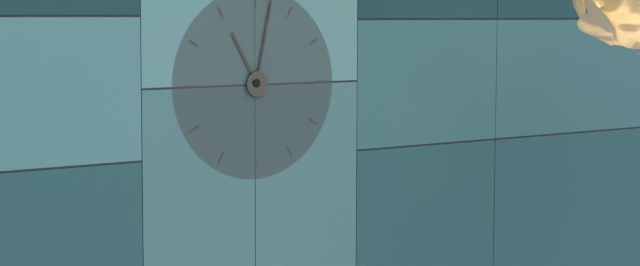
11:02
